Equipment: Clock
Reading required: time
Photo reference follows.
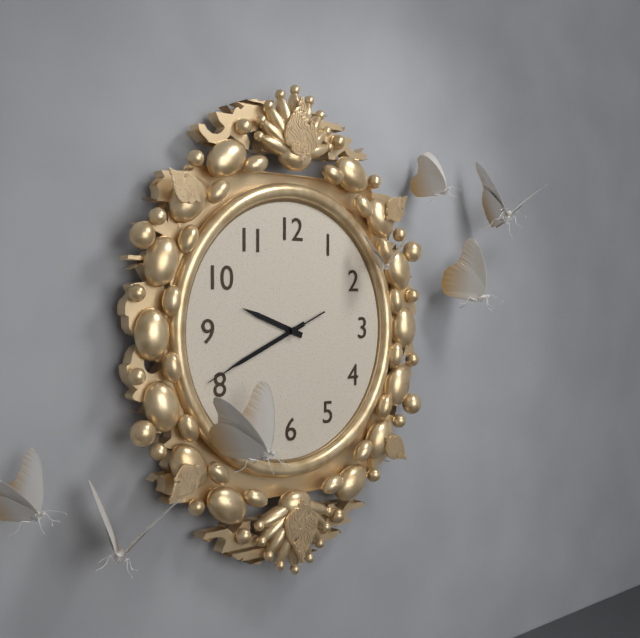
9:41:41
